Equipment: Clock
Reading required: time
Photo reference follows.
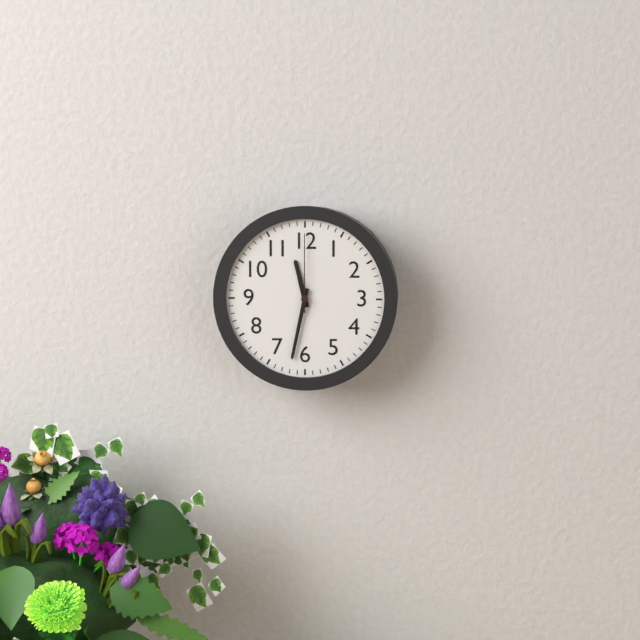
11:32:00
